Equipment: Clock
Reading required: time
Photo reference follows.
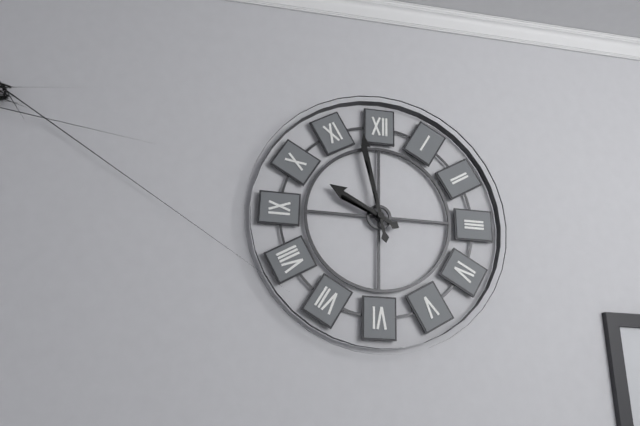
9:58
